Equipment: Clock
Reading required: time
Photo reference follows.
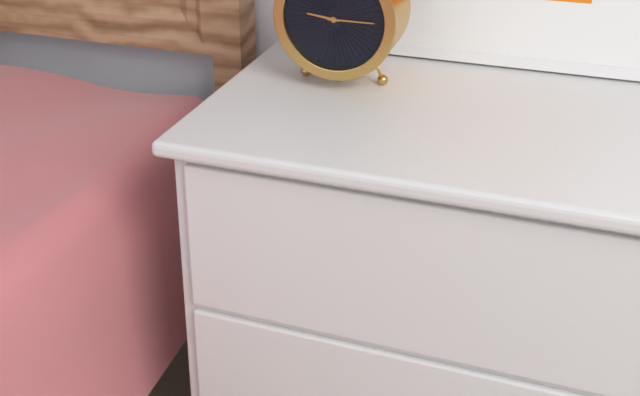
9:15
